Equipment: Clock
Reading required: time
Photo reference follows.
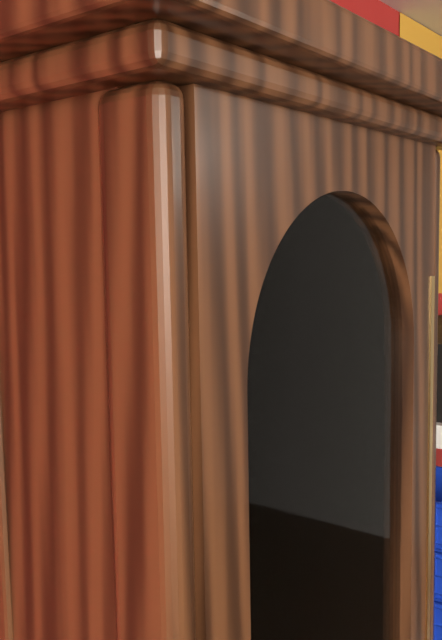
10:13
